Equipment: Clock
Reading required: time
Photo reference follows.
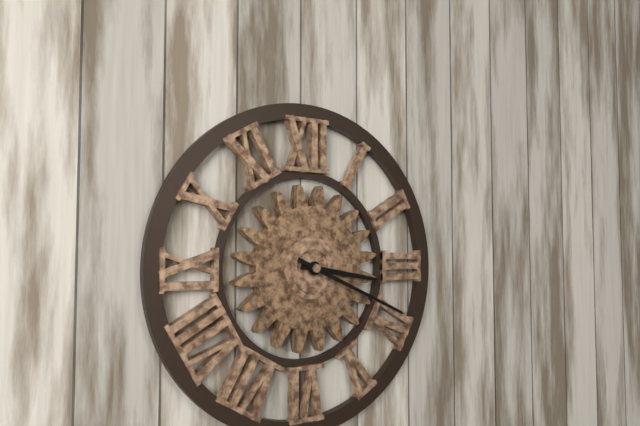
3:19
